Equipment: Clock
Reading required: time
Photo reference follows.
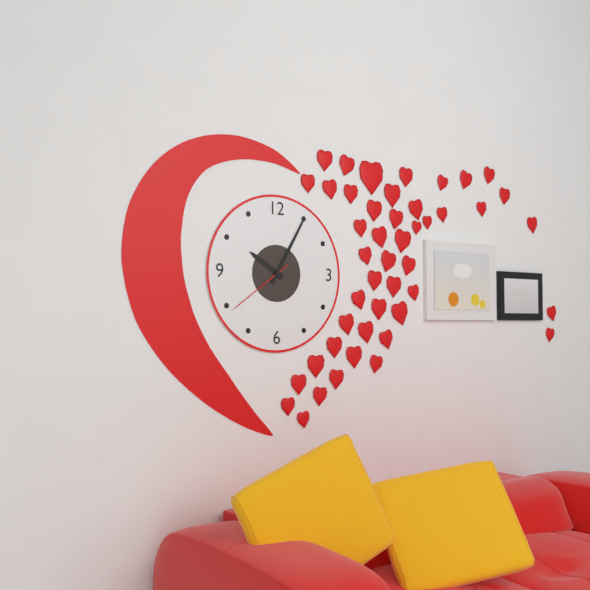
10:05:39
